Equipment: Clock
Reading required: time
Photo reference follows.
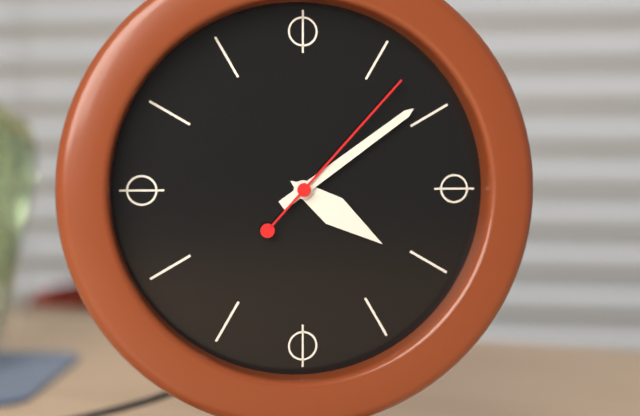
4:09:07
